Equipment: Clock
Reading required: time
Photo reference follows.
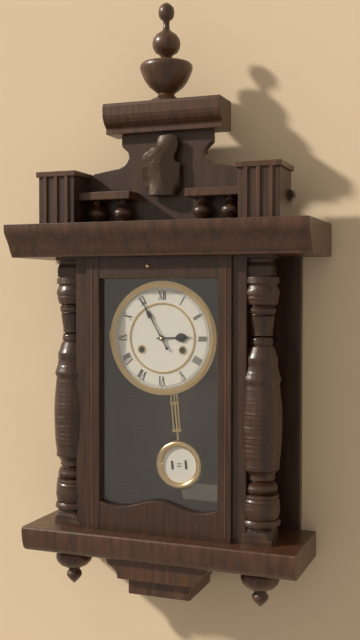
2:55
